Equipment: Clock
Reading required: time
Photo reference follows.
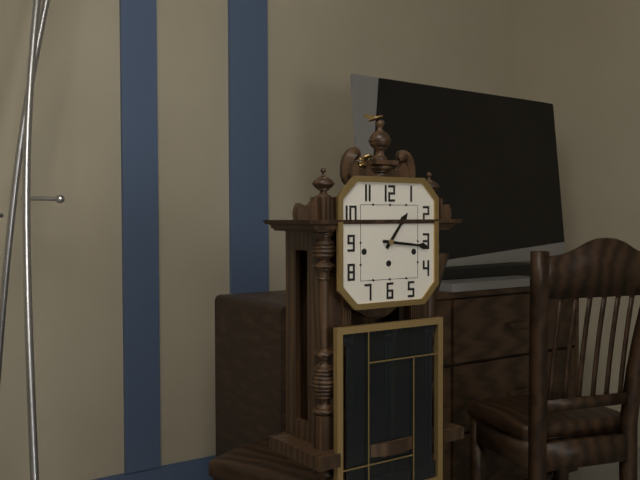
1:16
